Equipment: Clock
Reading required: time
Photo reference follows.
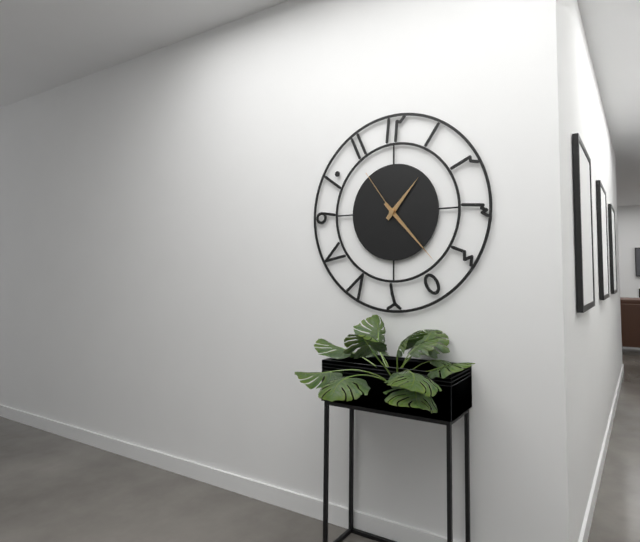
1:23:54
